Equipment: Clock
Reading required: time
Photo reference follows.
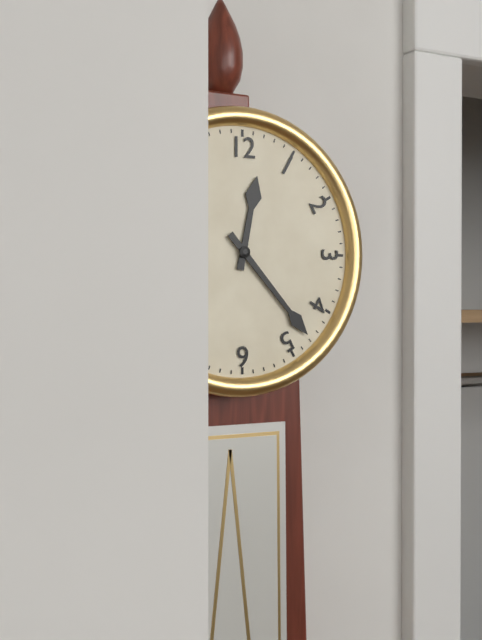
12:23
